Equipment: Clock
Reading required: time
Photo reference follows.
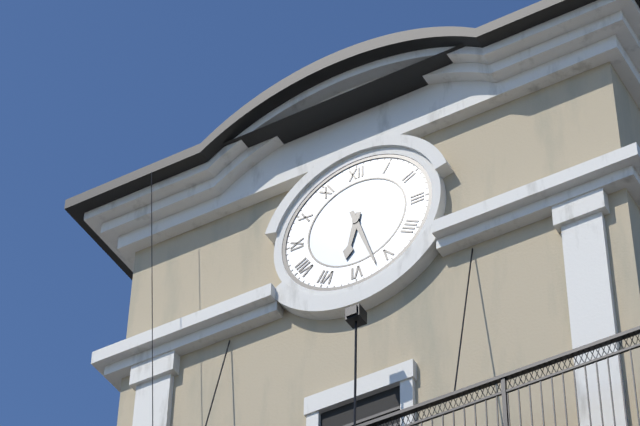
6:27
